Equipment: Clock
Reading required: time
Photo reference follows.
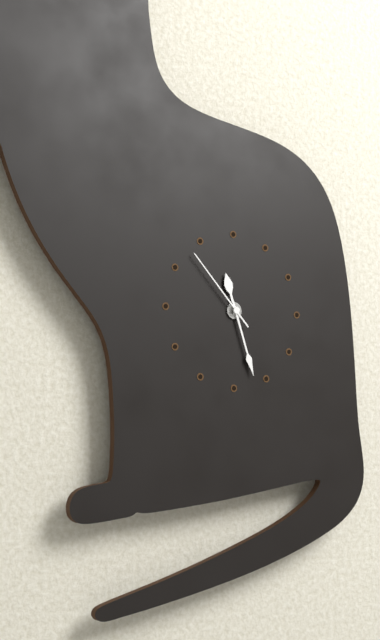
11:27:53
